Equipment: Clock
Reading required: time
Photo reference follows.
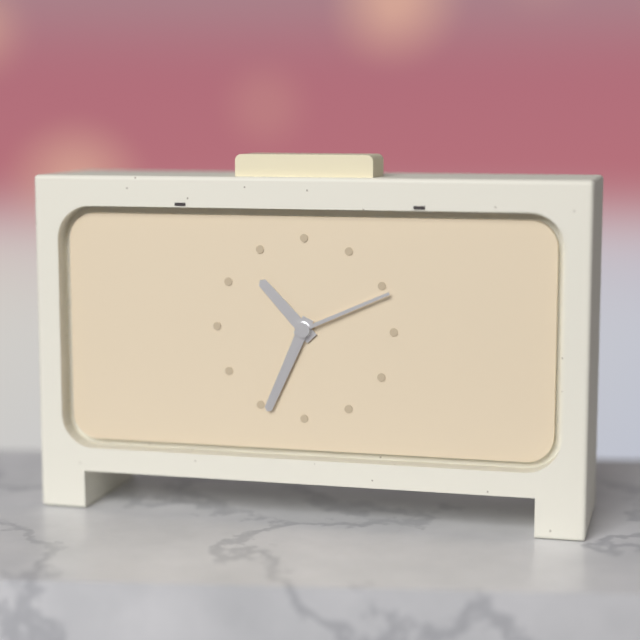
10:34:11
